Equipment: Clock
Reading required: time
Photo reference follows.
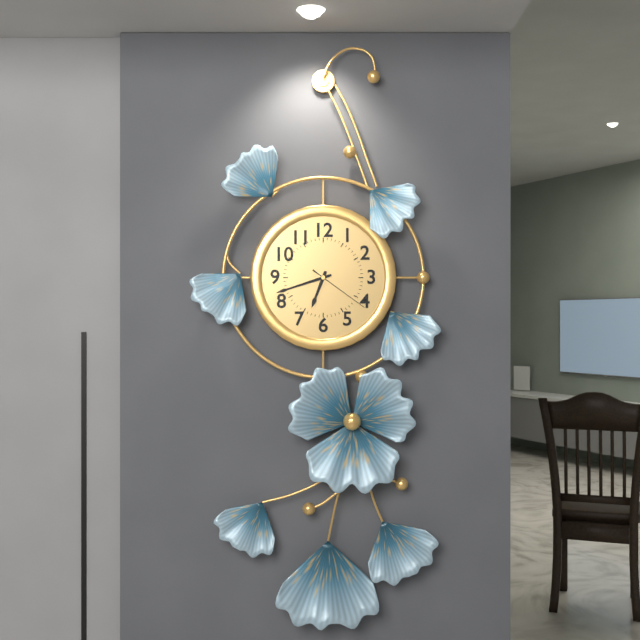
6:42:21
